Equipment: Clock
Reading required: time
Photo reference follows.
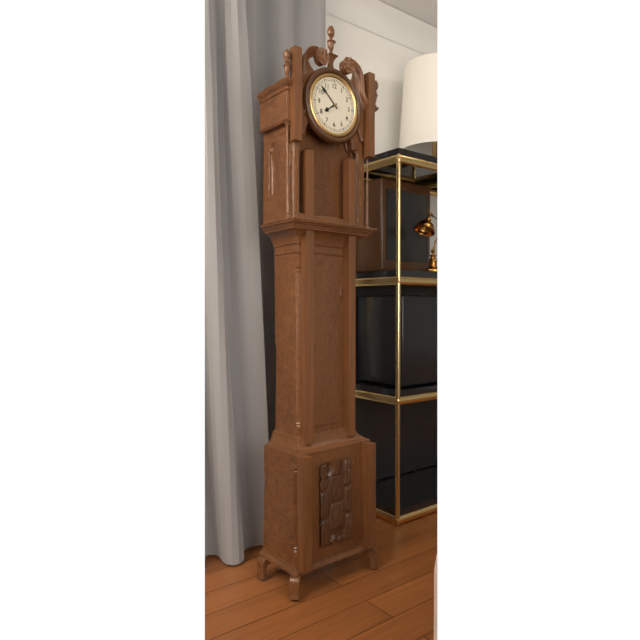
7:52
